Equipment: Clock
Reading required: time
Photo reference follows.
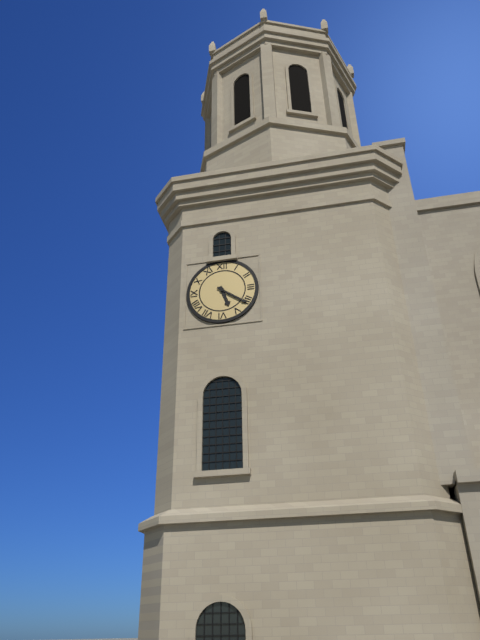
5:21
